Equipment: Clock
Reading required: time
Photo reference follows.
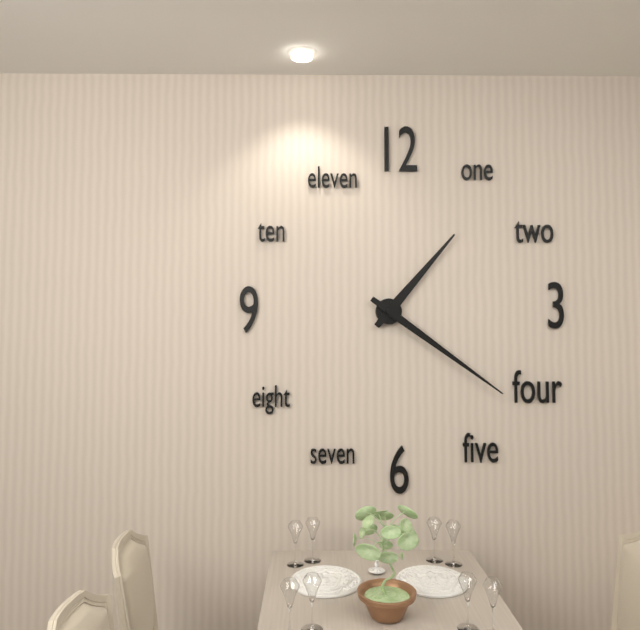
1:21
